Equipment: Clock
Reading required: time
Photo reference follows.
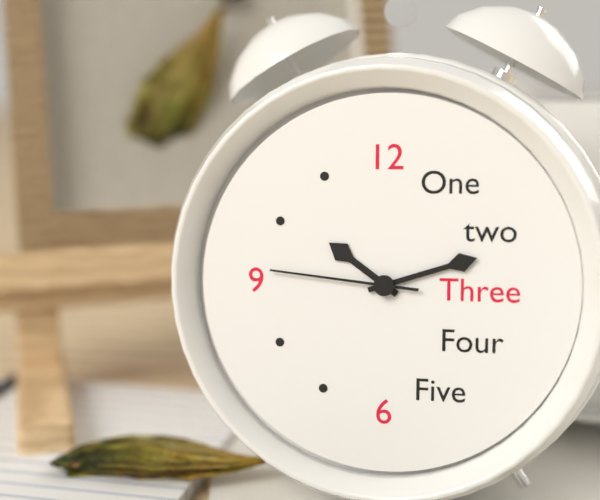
10:12:46
